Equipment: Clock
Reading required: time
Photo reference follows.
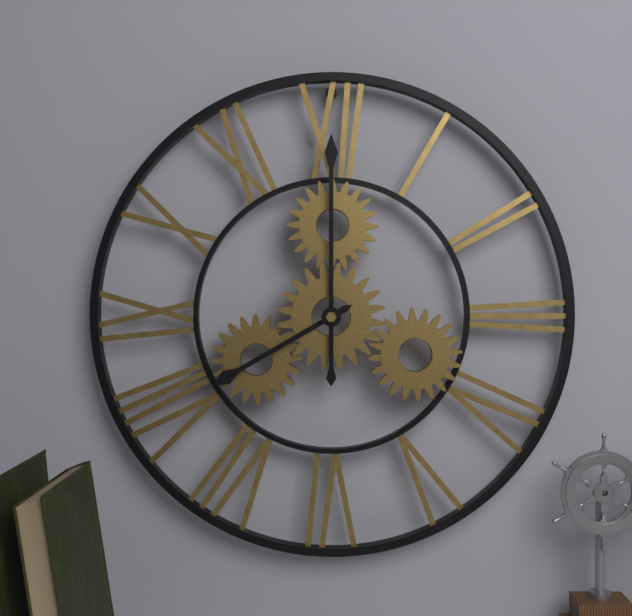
8:00
